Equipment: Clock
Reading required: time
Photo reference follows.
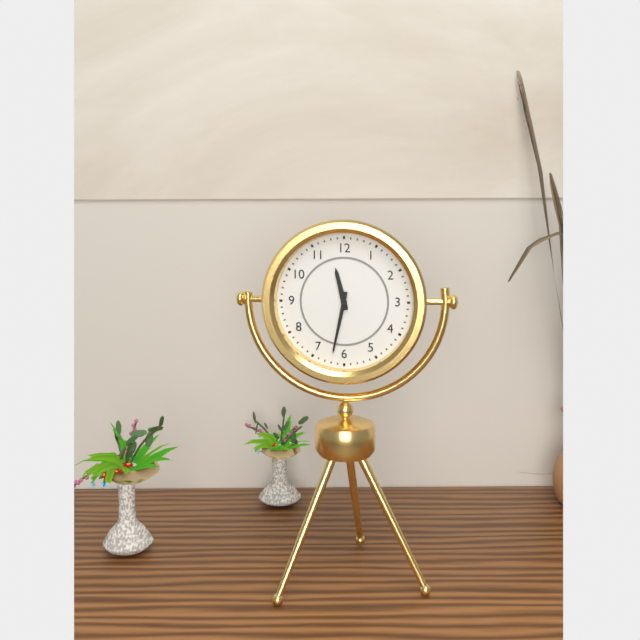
11:32
